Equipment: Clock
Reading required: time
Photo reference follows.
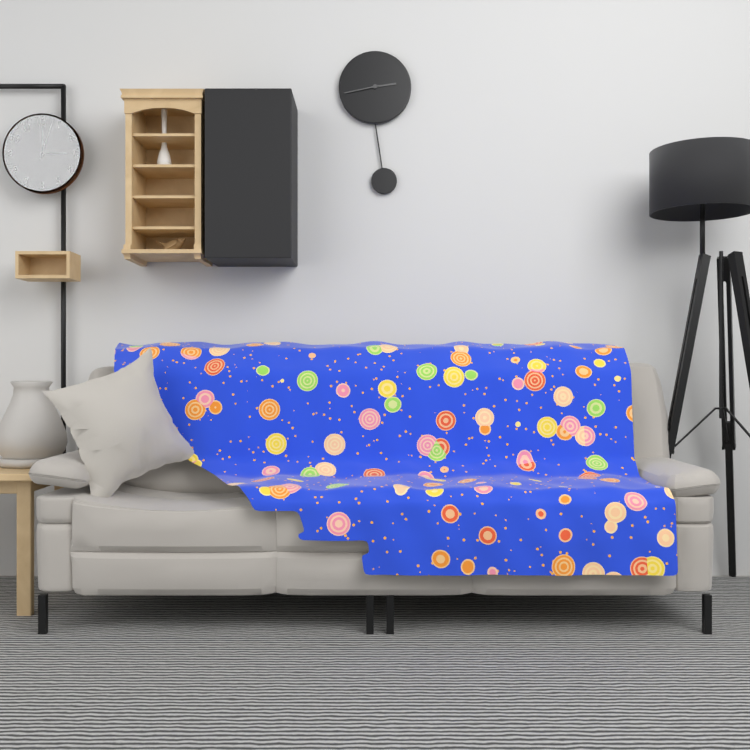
2:43
